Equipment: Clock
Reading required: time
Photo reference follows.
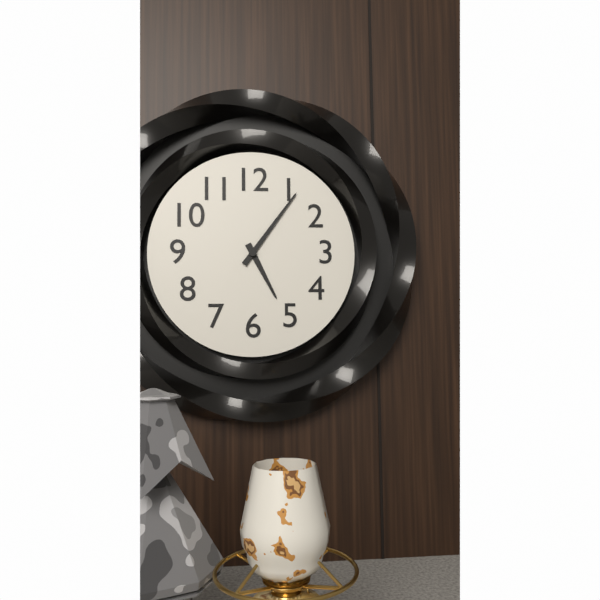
5:06
